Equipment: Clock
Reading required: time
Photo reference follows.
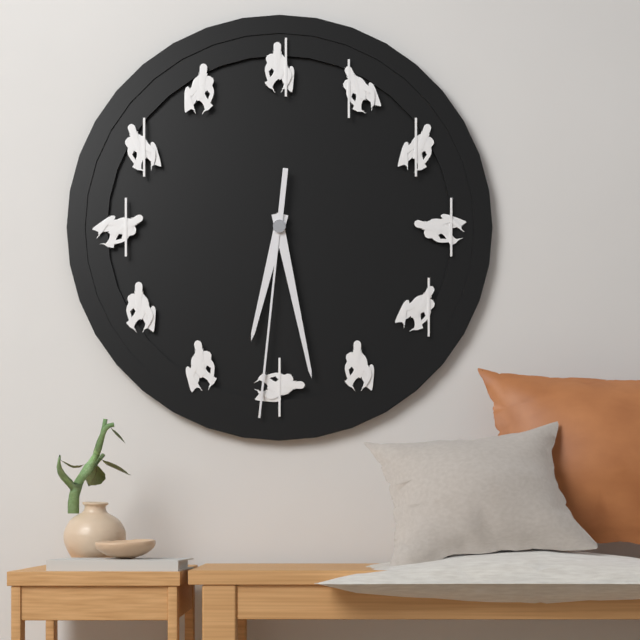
6:28:31
